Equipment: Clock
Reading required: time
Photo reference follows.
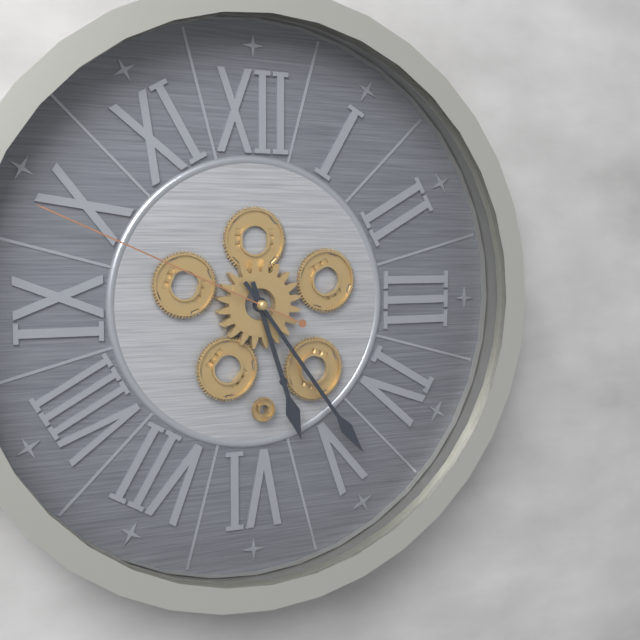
5:24:49
